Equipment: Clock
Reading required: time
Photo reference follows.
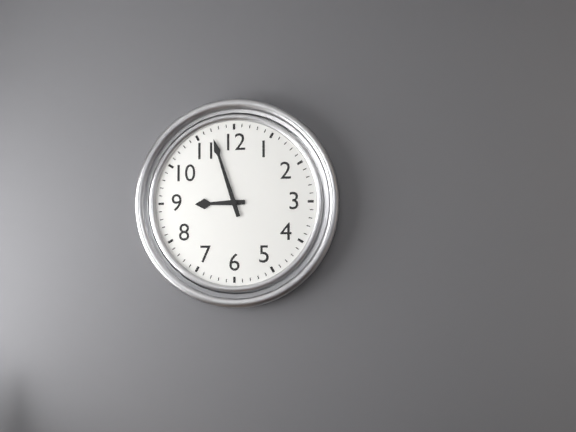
8:57
